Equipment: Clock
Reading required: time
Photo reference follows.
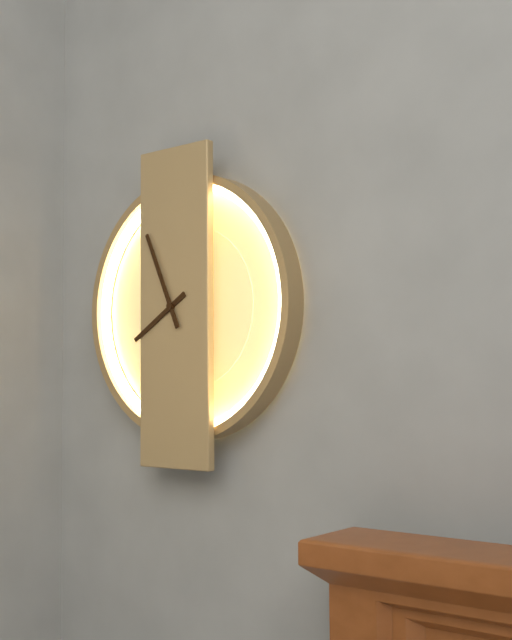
7:56
